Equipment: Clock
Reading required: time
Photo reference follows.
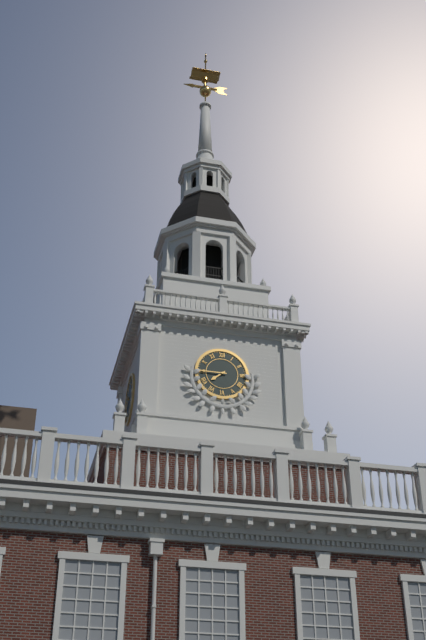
7:45
